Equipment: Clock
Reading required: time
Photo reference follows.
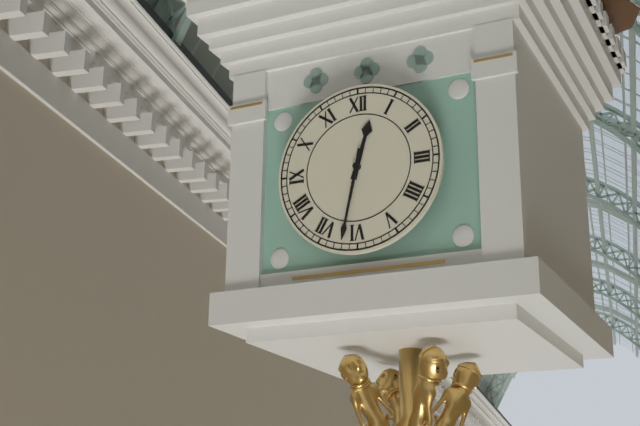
12:32
